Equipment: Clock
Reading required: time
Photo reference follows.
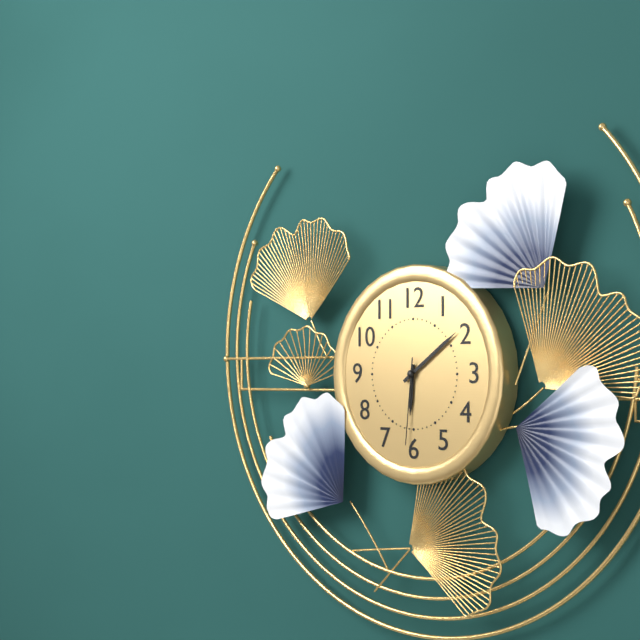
6:09:31
